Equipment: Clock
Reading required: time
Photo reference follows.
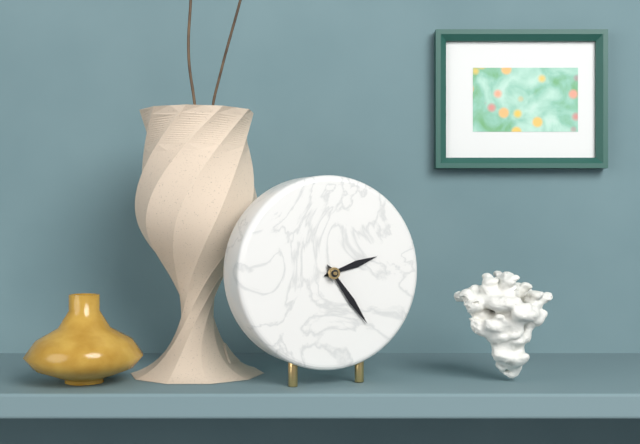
2:24
